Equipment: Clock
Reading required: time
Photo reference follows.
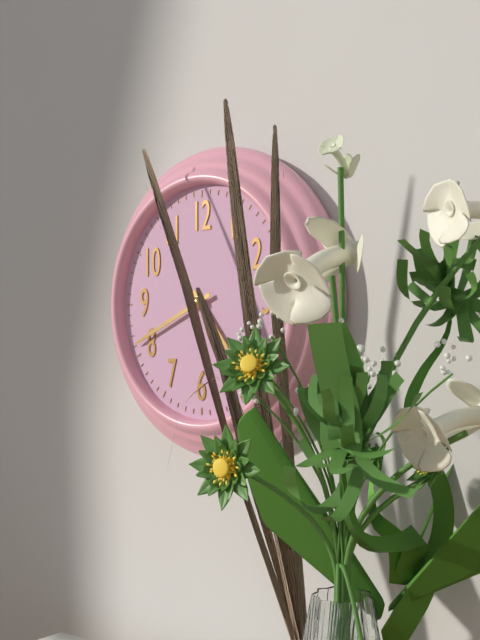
4:41
